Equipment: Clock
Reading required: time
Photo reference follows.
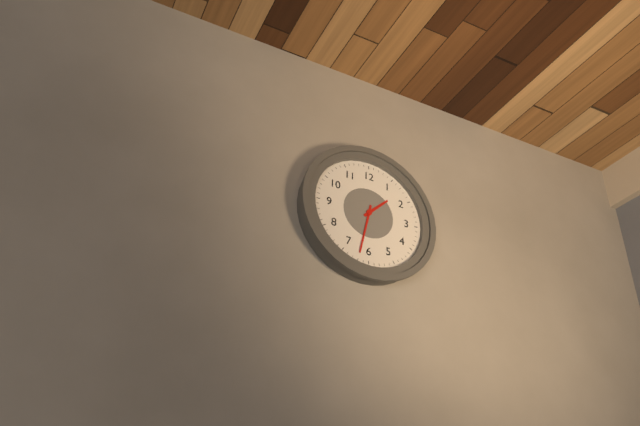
1:32
